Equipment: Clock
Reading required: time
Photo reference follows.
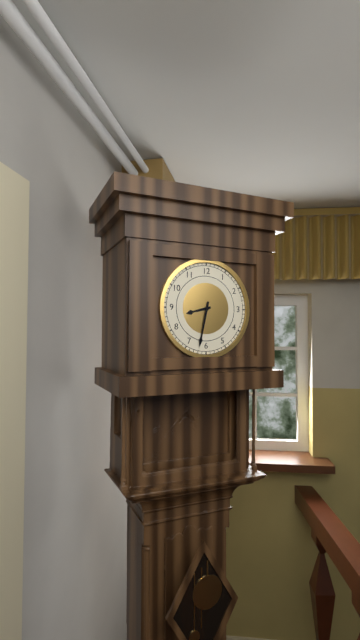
8:32
